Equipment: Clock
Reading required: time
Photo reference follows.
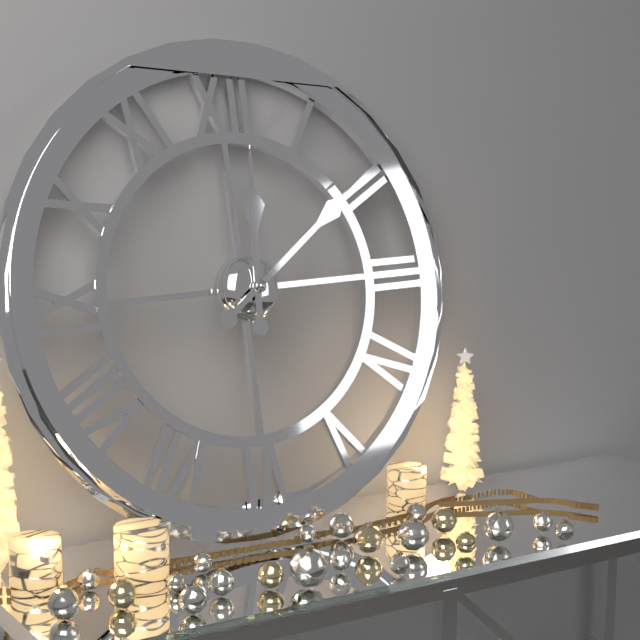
12:09
